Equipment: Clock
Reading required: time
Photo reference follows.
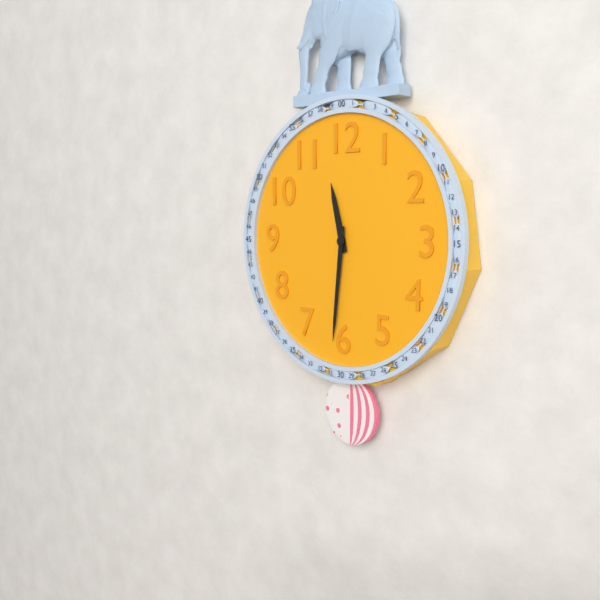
11:31
